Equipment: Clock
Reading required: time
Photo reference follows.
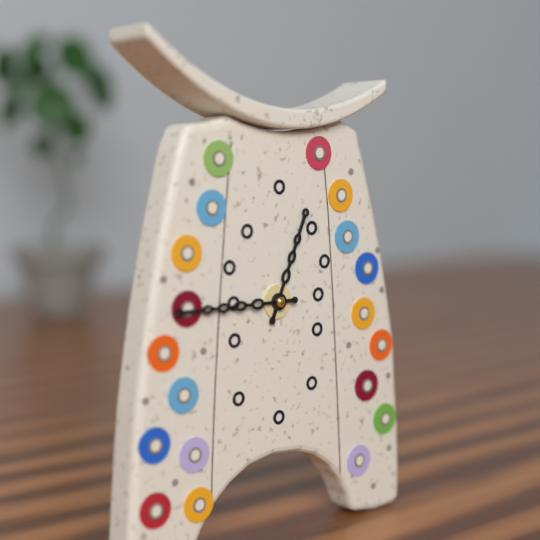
12:45
